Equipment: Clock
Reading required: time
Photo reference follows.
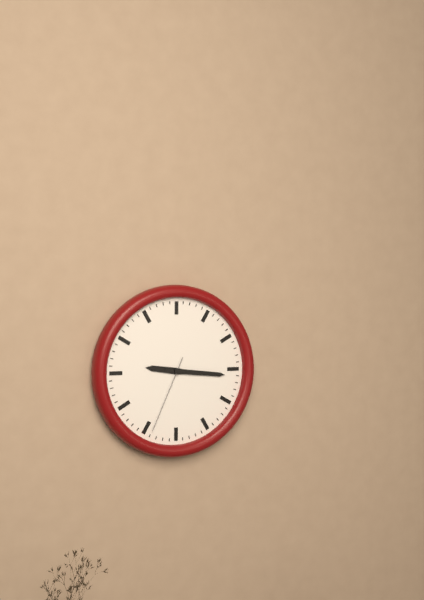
9:16:34
